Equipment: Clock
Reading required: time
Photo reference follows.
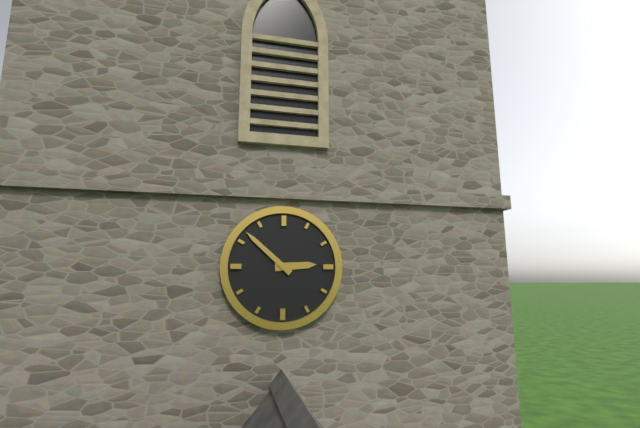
2:52
